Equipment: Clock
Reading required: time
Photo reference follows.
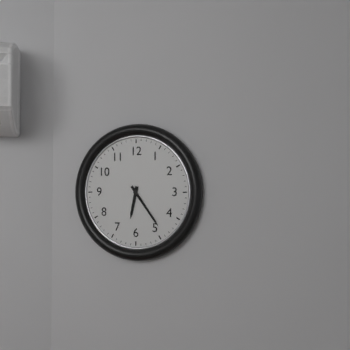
6:24
